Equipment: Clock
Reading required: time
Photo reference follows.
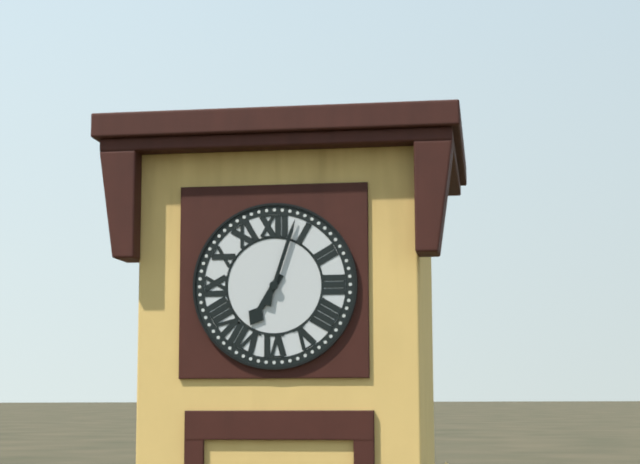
7:03
